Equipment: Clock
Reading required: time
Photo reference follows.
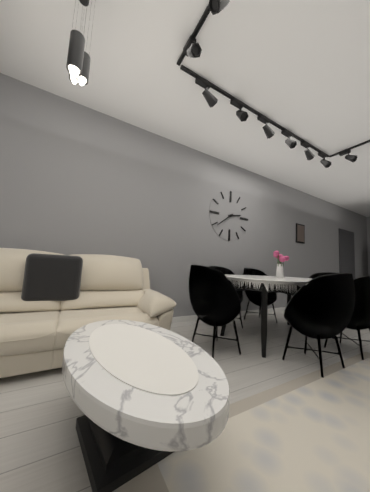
2:39
